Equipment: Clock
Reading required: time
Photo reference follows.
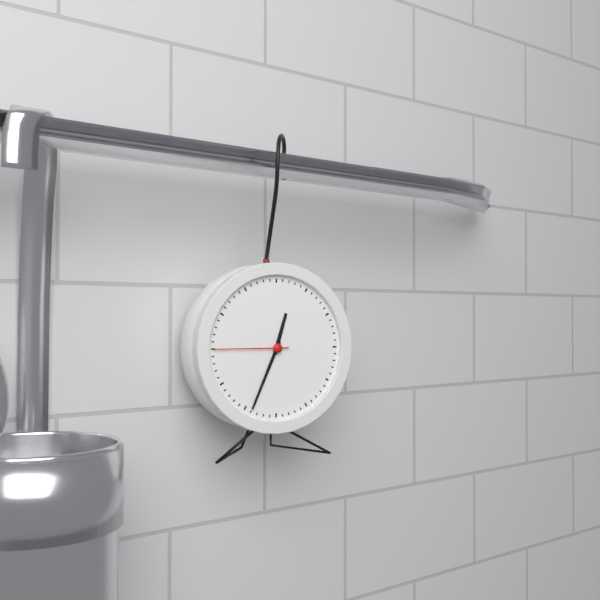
12:34:45
